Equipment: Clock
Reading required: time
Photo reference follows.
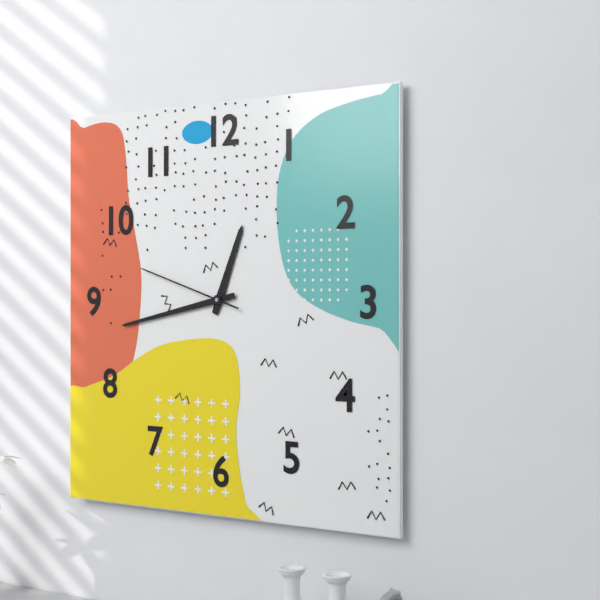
12:43:48
